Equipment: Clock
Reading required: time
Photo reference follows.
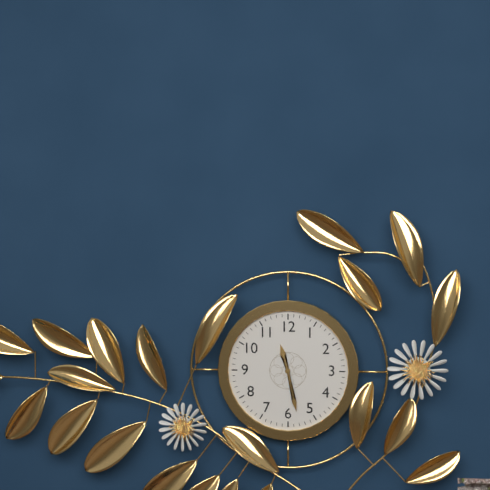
11:28
